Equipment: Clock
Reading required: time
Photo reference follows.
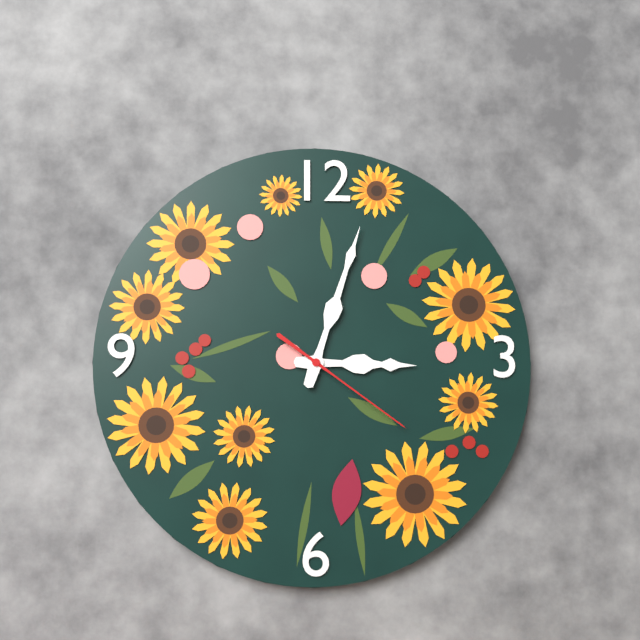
3:03:21
